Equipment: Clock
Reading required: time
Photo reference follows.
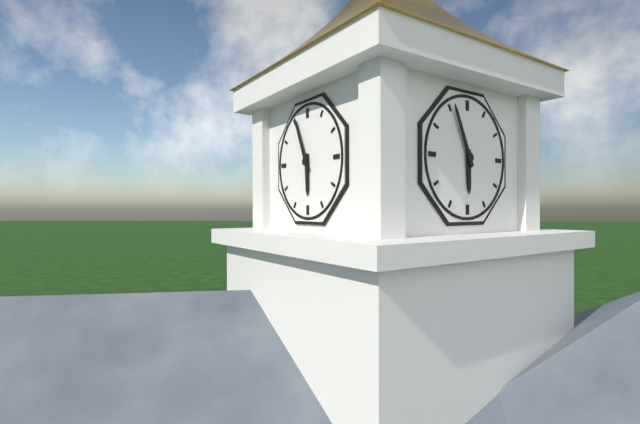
5:56
